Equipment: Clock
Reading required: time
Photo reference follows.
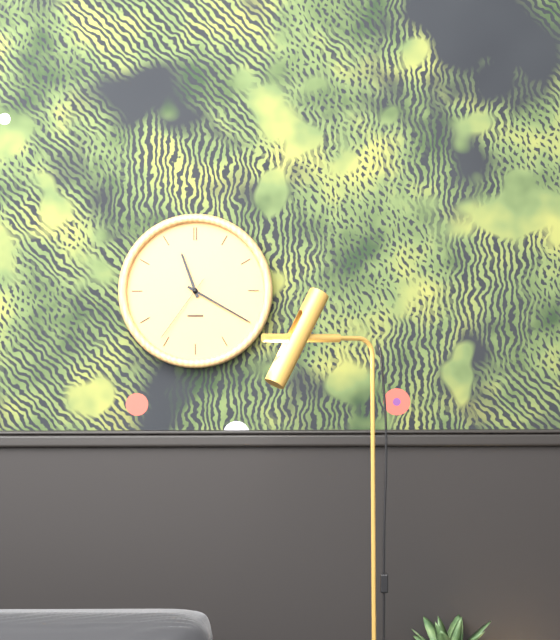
11:20:36
